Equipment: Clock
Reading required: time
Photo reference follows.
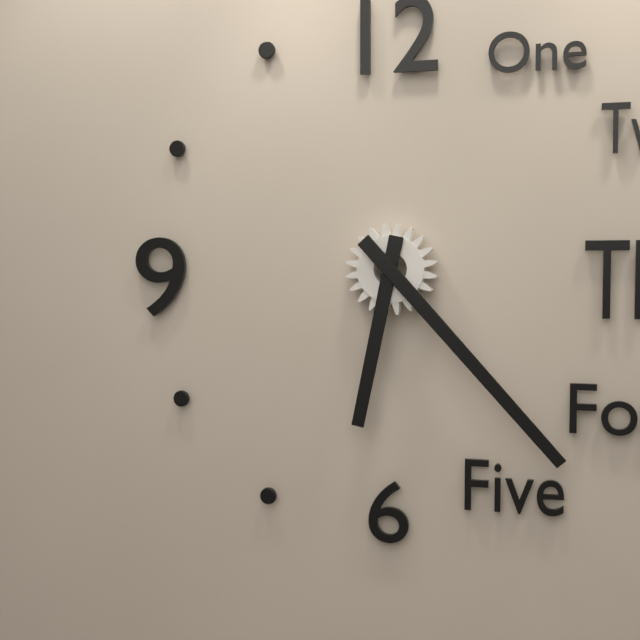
6:23
